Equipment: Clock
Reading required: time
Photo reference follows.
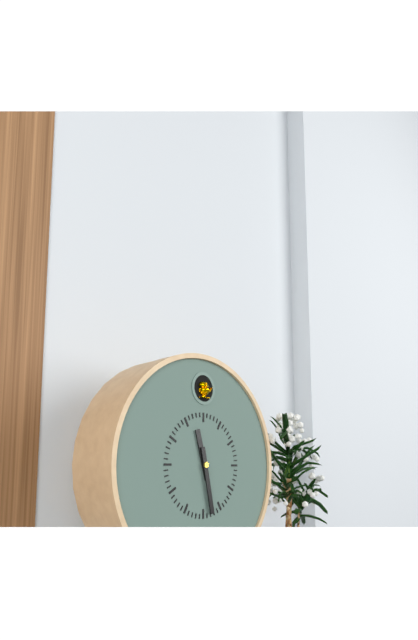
11:28
